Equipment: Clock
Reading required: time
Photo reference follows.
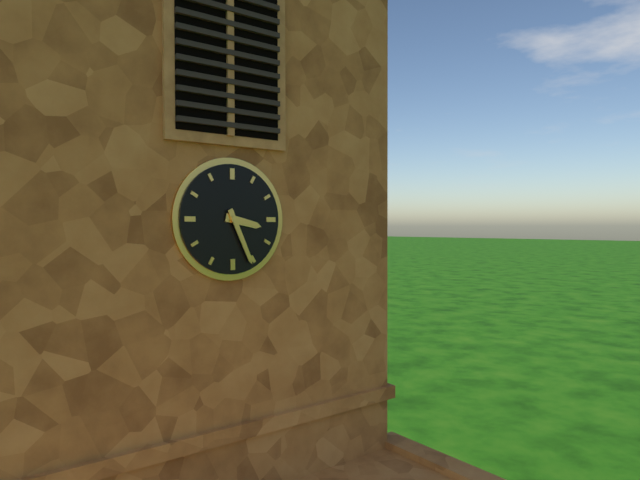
3:26
